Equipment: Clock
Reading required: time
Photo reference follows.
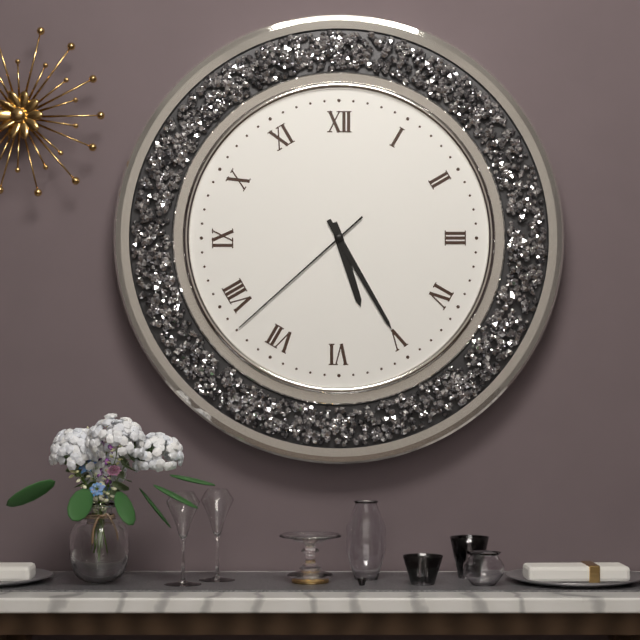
5:25:38
